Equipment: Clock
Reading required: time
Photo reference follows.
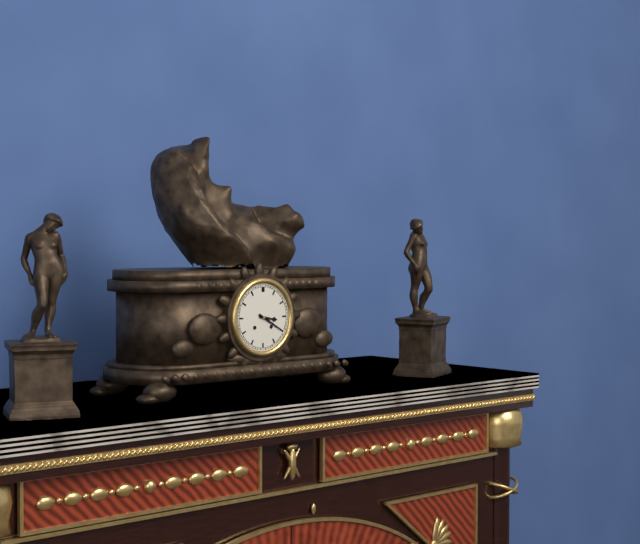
3:20
